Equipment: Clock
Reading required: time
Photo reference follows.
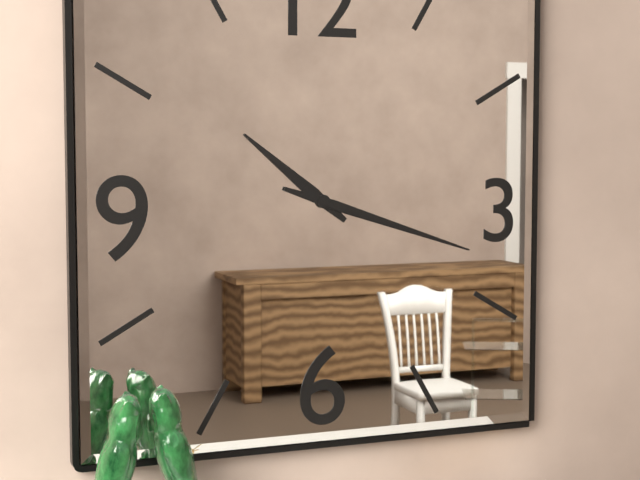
10:18
